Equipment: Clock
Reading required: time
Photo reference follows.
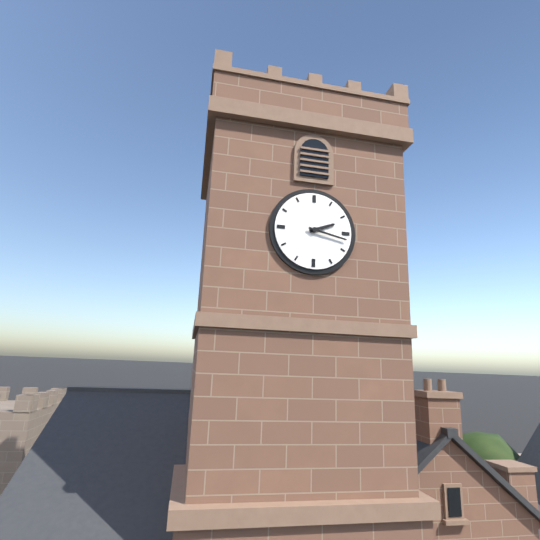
2:17
